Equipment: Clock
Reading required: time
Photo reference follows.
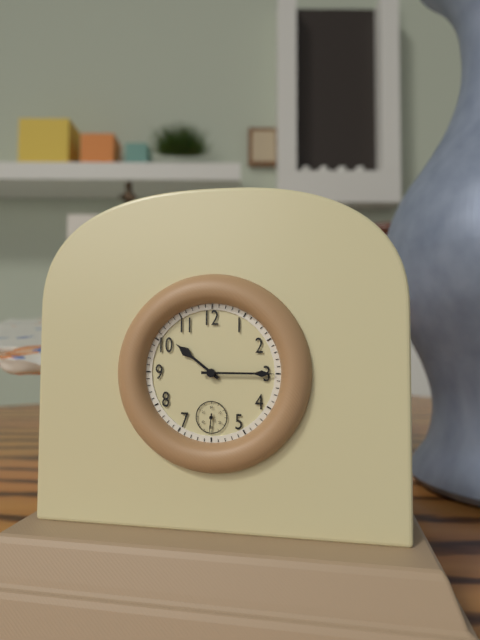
10:15
